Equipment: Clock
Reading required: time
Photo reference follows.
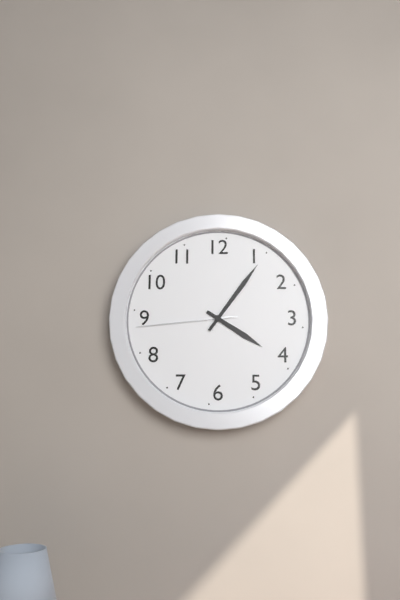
4:06:44
